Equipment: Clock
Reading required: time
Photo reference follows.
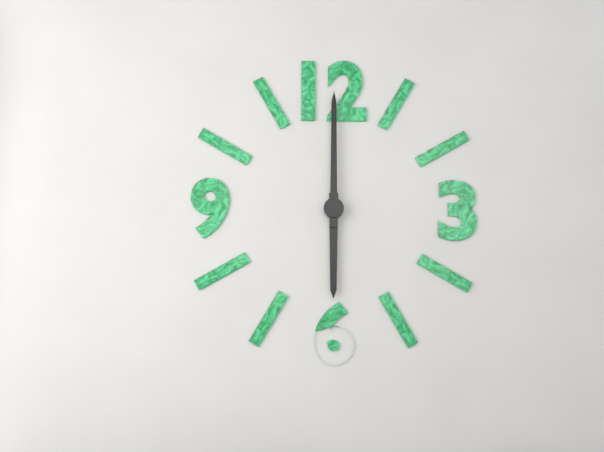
6:00
